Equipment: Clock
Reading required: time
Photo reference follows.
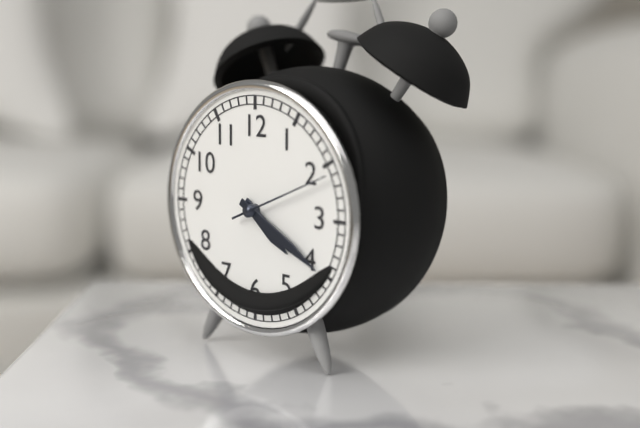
4:20:11
